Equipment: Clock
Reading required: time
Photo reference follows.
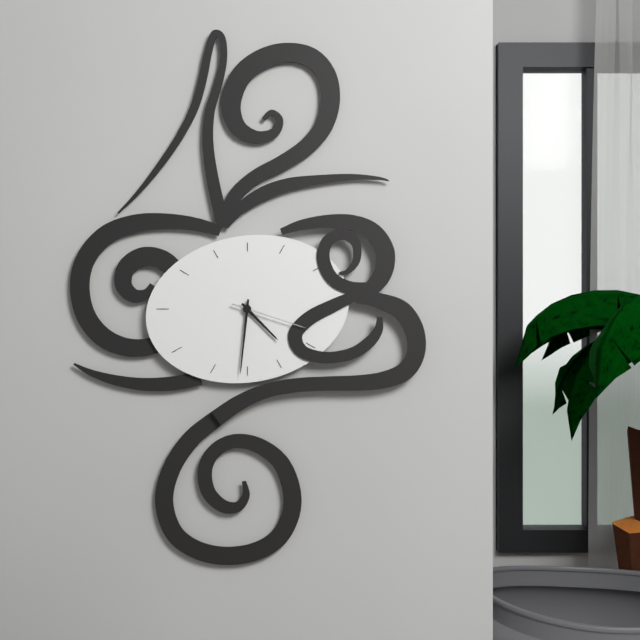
4:31:18
